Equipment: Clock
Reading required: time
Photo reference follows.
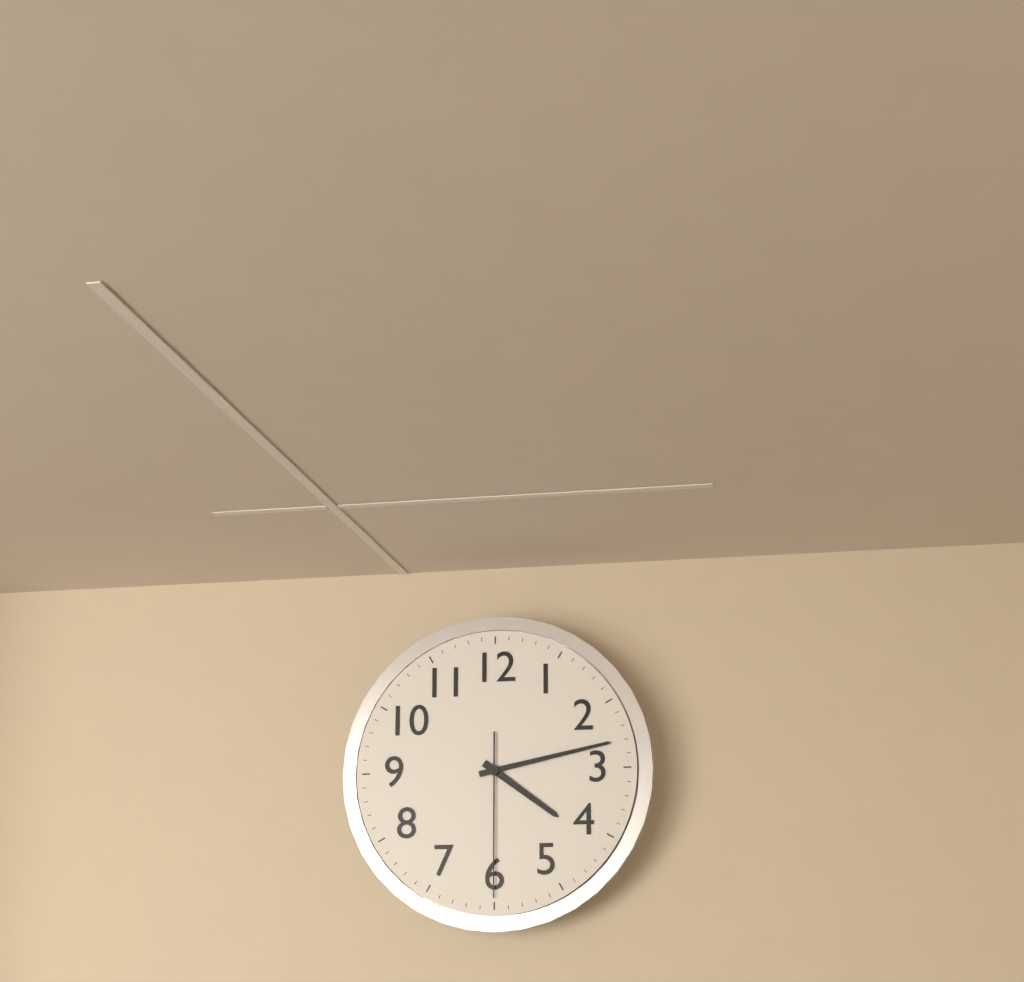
4:13:30
